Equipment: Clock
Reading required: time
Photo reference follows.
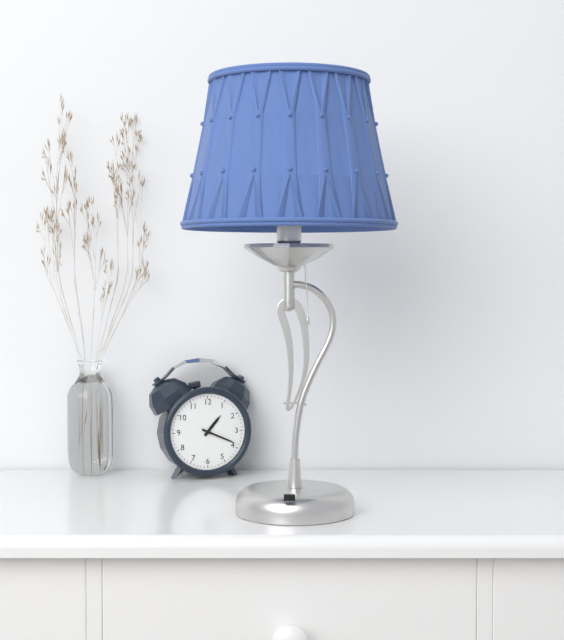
1:19
